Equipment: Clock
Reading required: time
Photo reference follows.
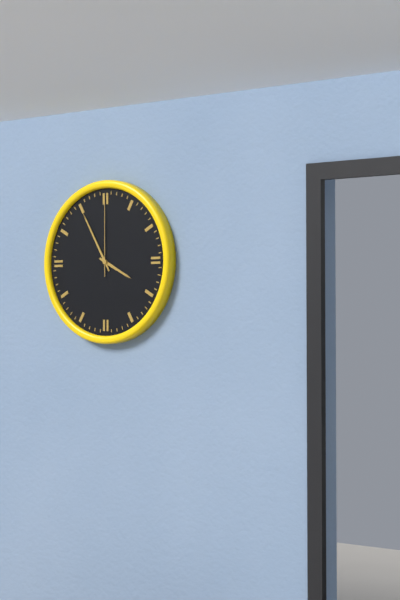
3:55:00
